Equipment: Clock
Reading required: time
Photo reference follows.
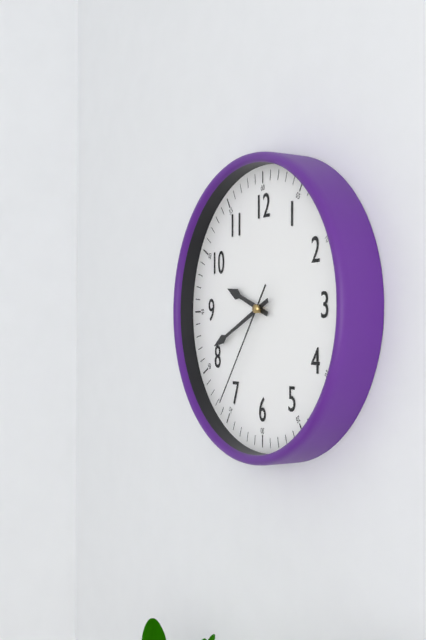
9:41:36
